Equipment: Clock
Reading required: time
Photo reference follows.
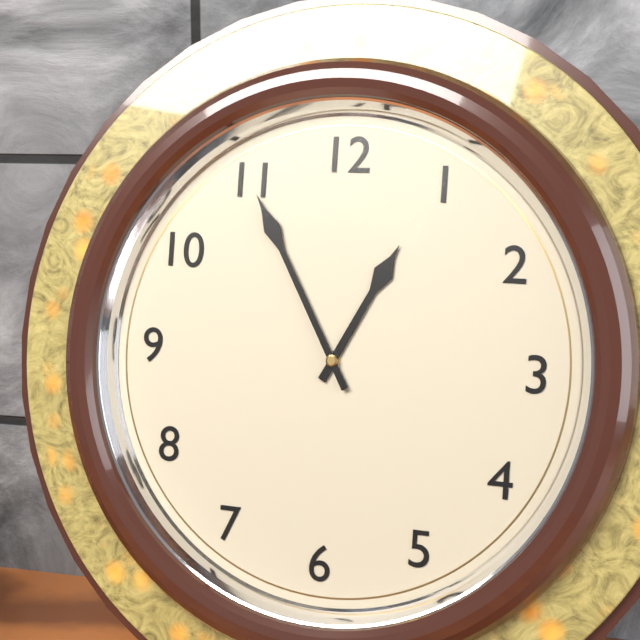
12:55
